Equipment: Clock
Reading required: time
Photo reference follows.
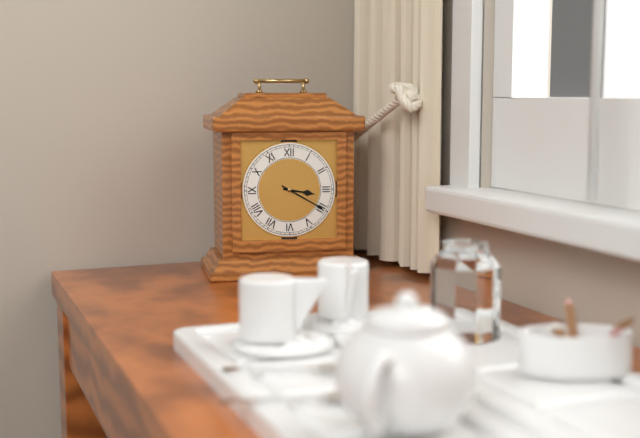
3:20
